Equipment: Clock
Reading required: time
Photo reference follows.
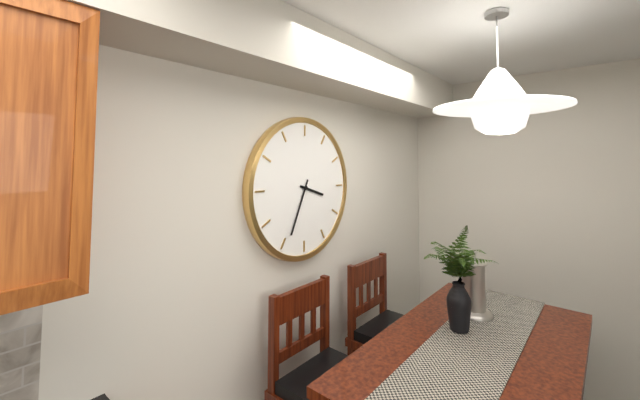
3:34
